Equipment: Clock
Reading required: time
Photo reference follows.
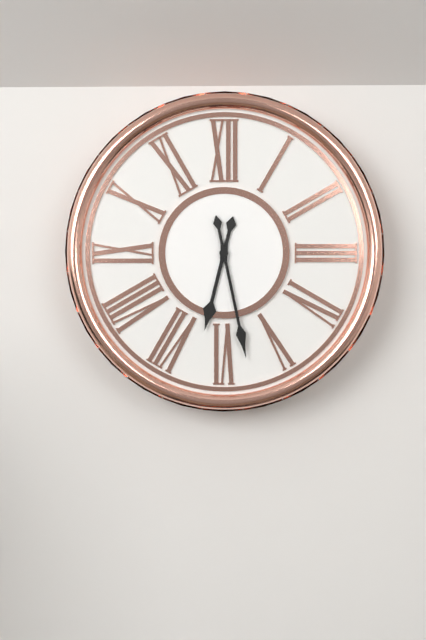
6:28
